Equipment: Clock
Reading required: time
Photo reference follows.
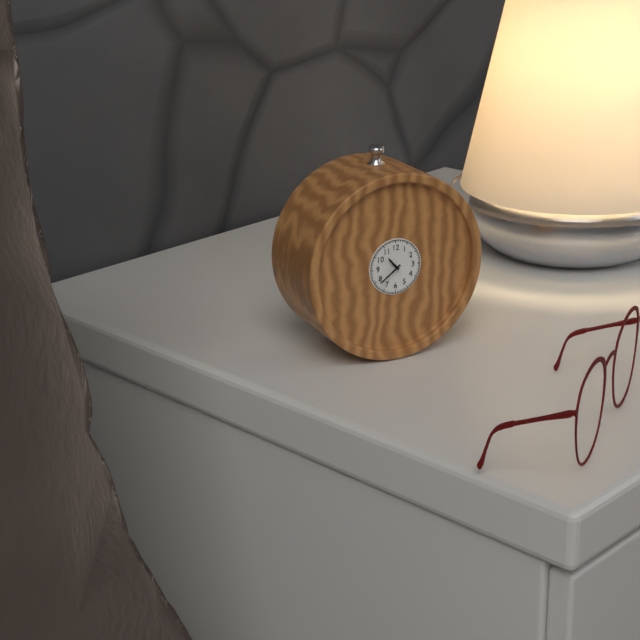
10:39
